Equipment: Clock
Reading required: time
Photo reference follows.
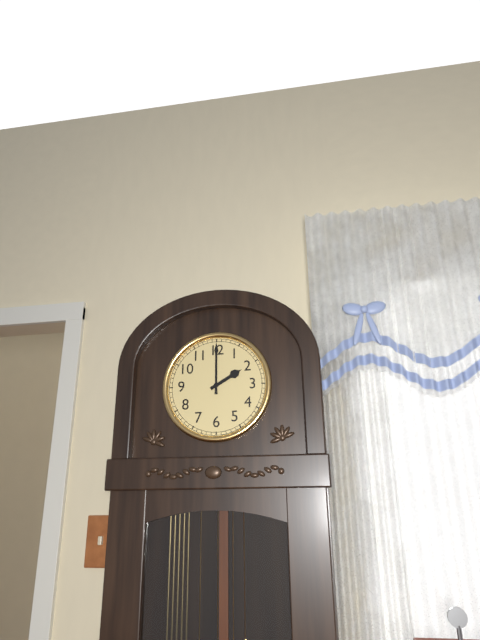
2:00
